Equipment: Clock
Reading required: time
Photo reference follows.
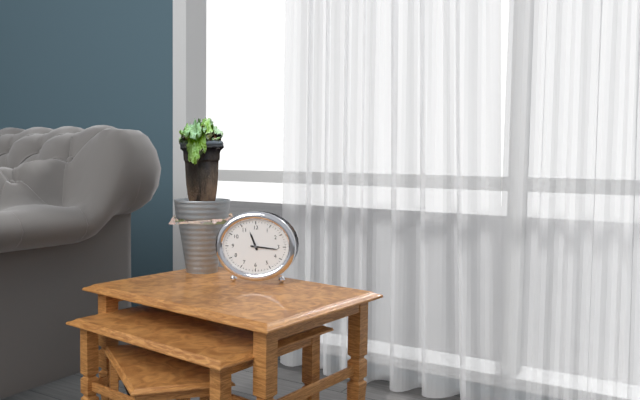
11:16
